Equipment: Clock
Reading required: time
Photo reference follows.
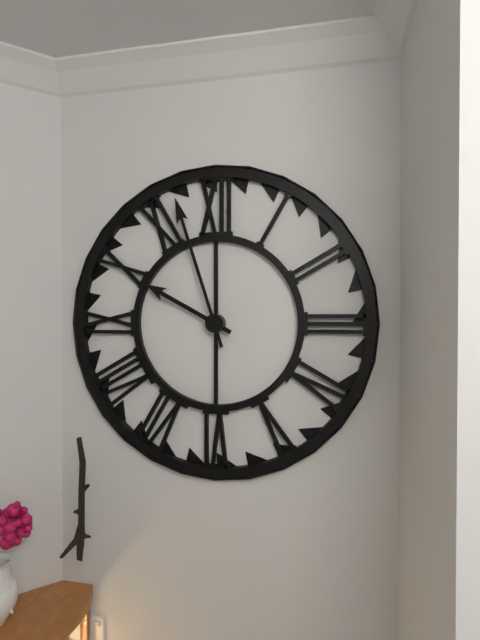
9:57
